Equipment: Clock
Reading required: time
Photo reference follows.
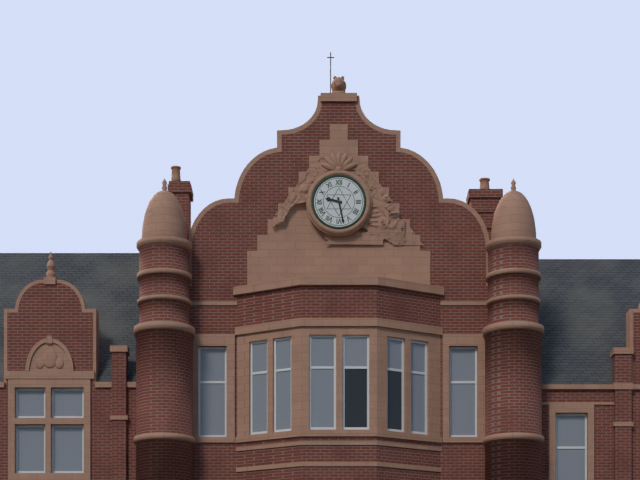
9:28
